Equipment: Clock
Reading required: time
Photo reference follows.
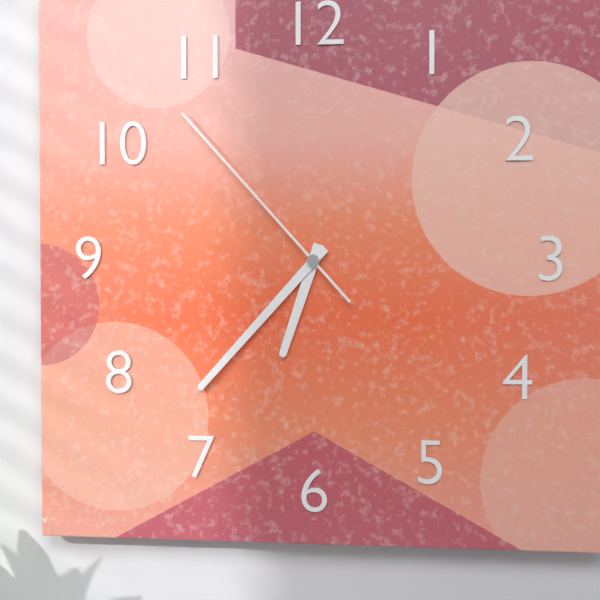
6:37:53
